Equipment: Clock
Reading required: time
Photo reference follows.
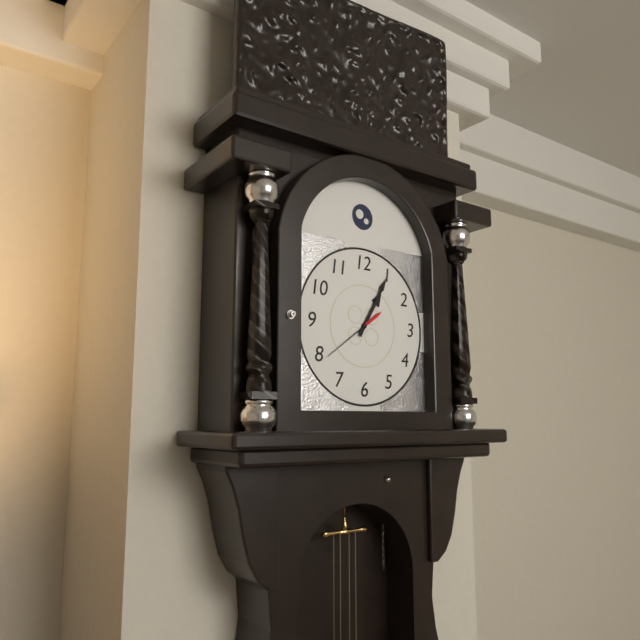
1:05
